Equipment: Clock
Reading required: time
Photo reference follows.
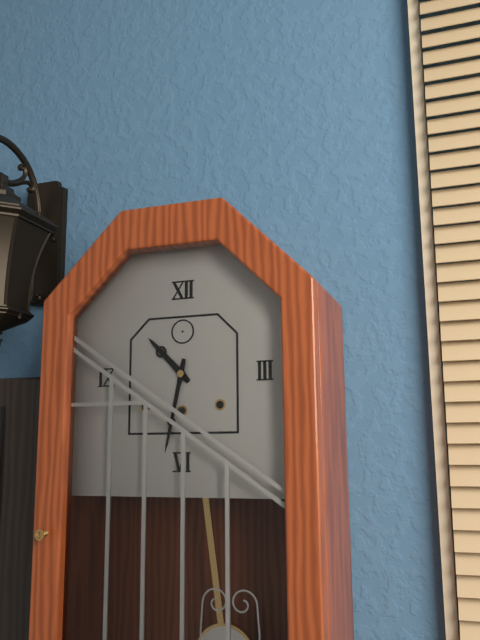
10:32
